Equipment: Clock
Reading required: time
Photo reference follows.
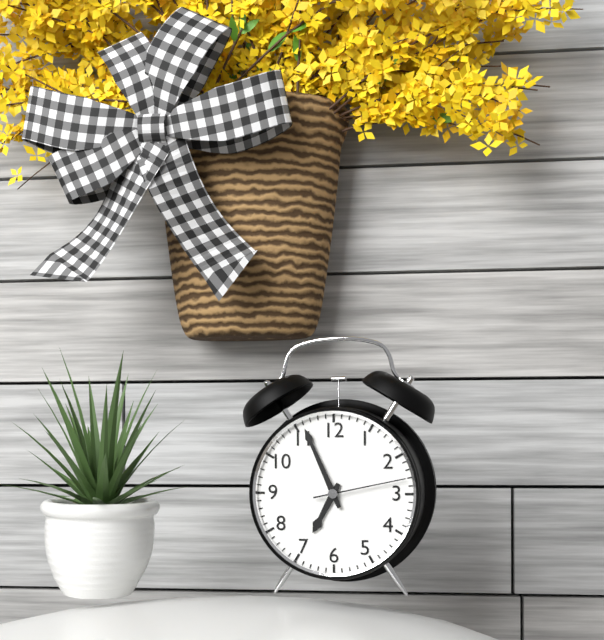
6:56:13
